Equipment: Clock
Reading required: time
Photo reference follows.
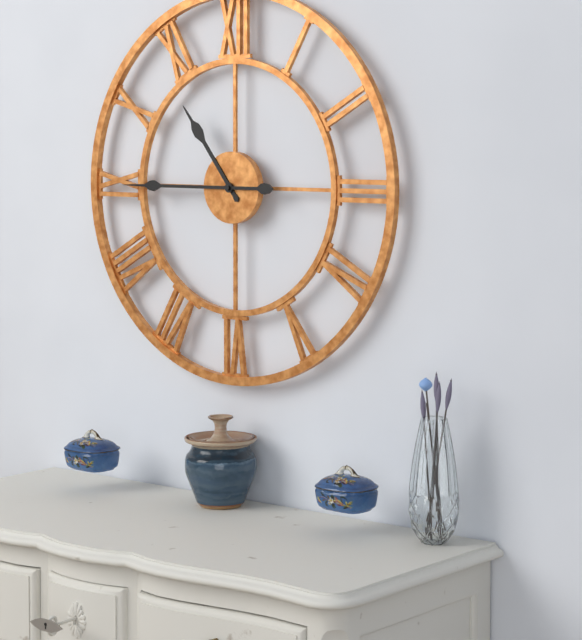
10:45
